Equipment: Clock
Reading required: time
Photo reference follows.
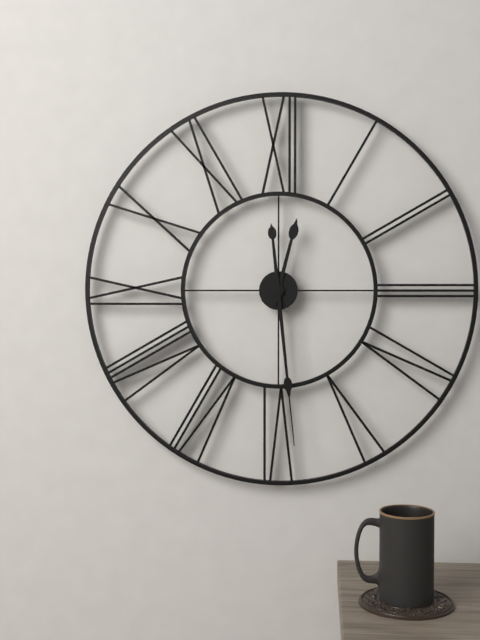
12:29
